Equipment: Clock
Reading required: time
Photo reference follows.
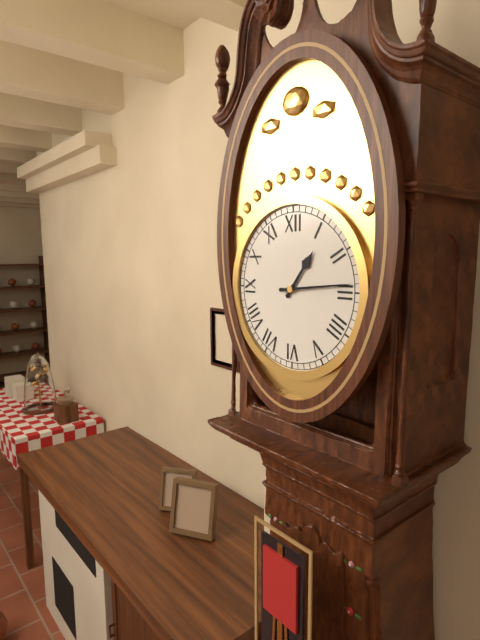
1:14
